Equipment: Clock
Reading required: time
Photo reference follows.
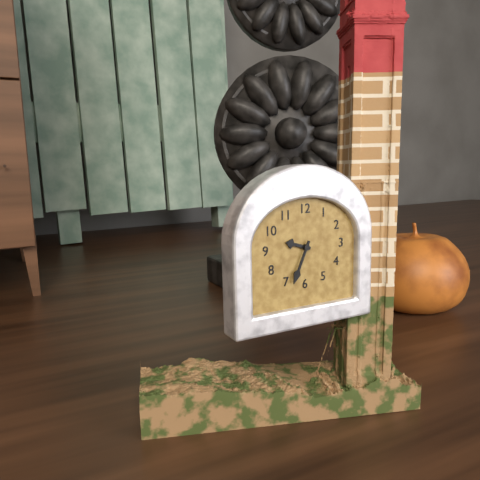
9:34
